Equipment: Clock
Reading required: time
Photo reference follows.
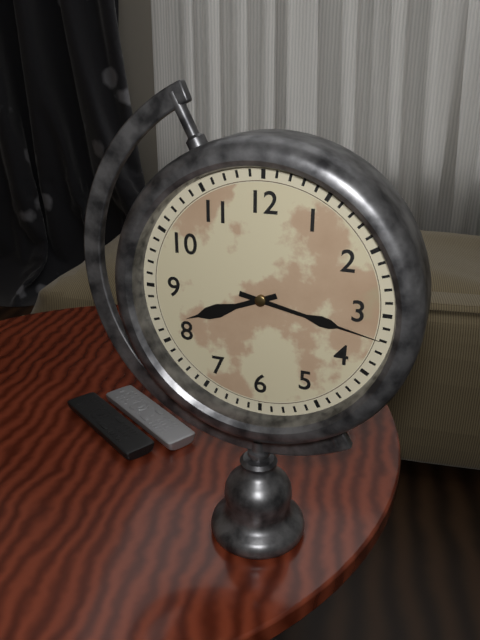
8:17
